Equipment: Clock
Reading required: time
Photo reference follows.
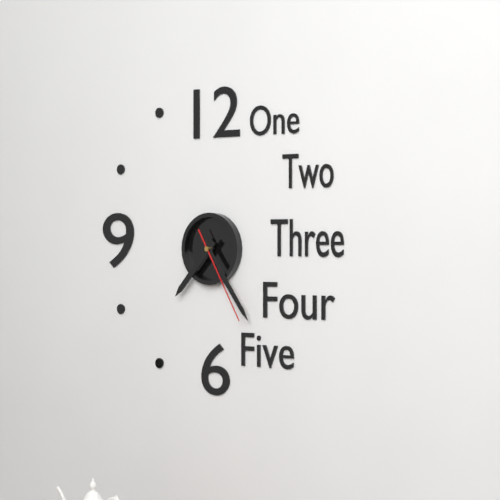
7:24:25
